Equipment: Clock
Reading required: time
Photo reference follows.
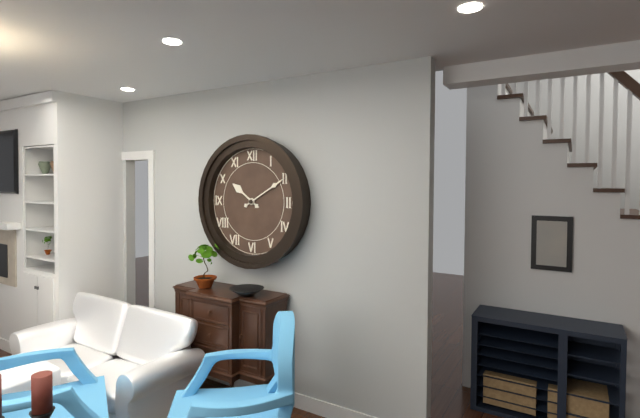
10:10
